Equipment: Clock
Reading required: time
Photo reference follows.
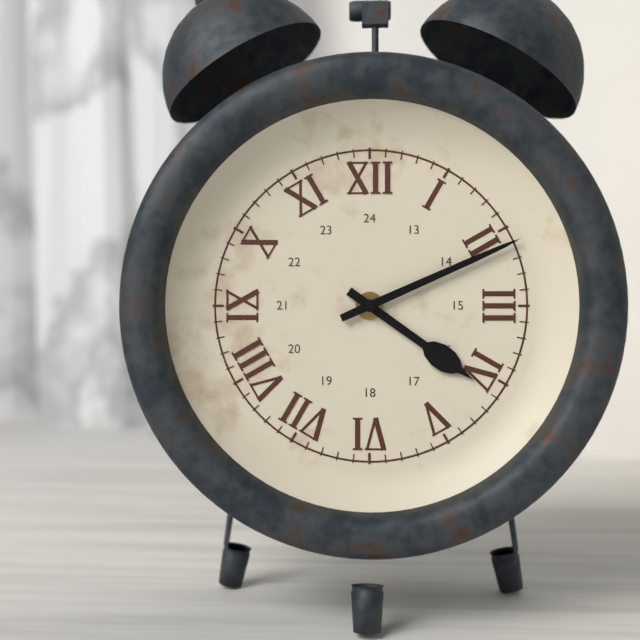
4:11
